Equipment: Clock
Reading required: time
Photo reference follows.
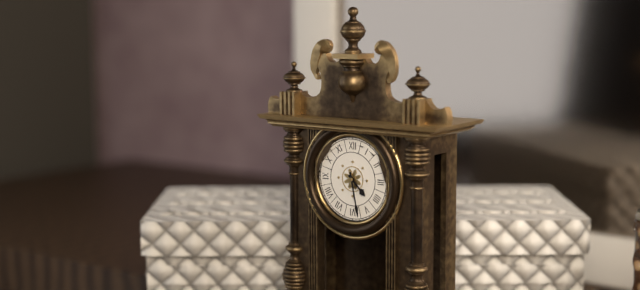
4:28
